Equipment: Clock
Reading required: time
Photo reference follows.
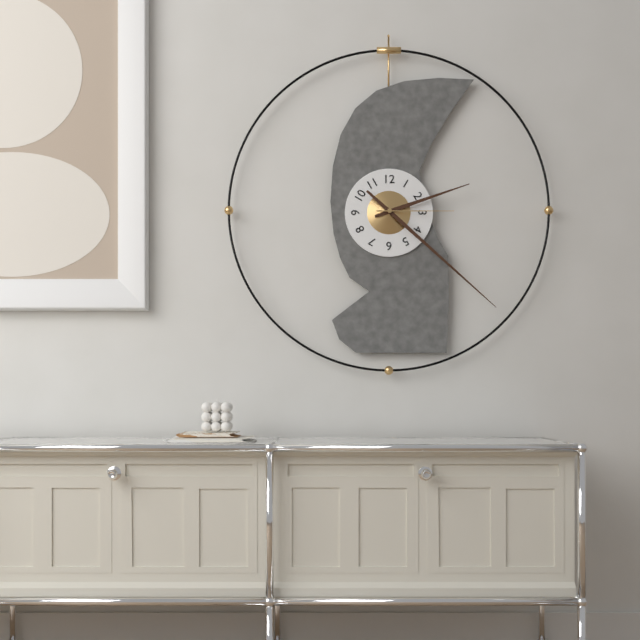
2:22:15
